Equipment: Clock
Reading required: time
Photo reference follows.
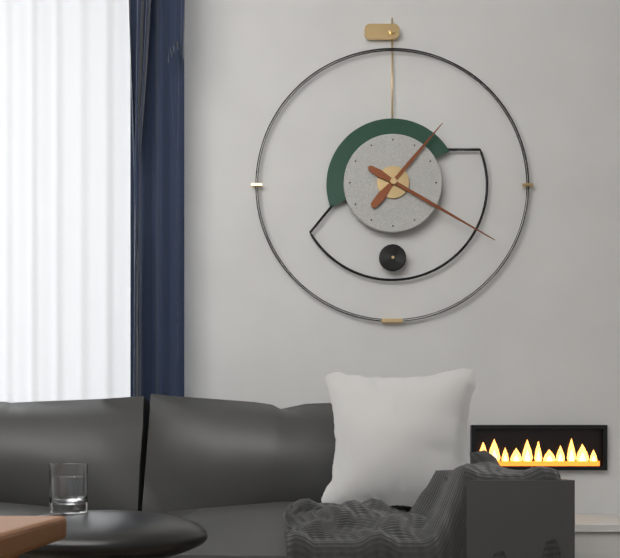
1:20
